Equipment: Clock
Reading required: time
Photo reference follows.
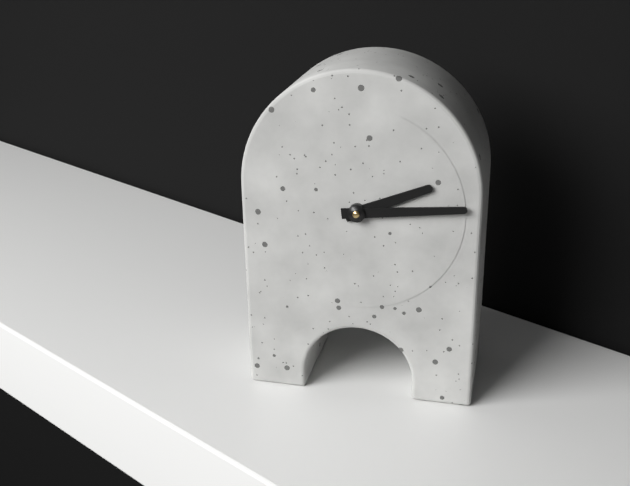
2:14
